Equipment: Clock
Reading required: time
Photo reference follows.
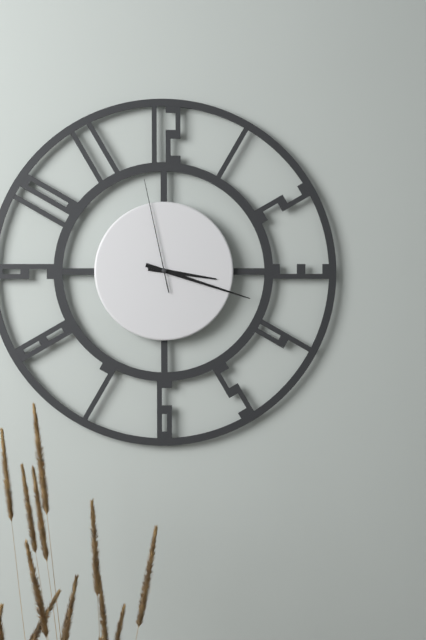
3:18:58
